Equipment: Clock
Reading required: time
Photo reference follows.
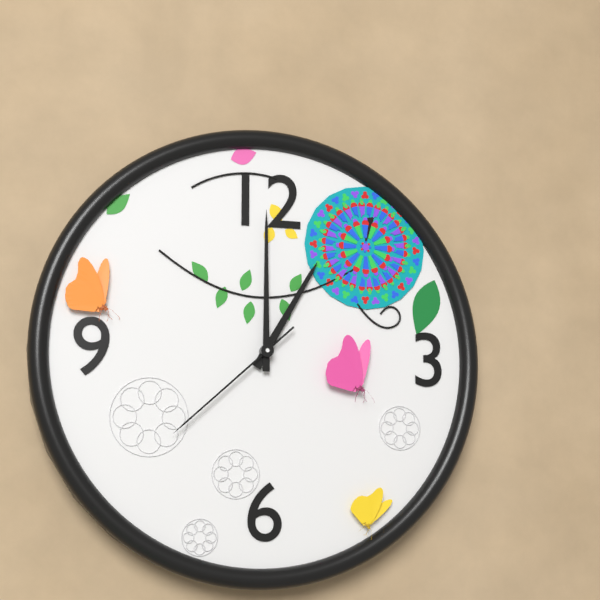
1:00:38
